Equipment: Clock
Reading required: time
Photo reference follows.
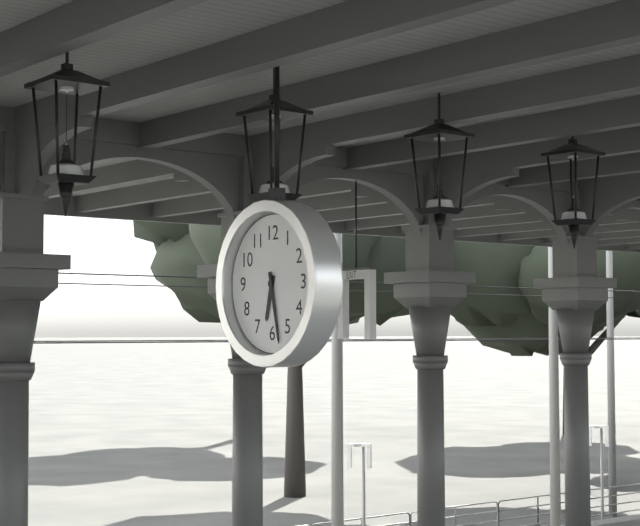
6:28
